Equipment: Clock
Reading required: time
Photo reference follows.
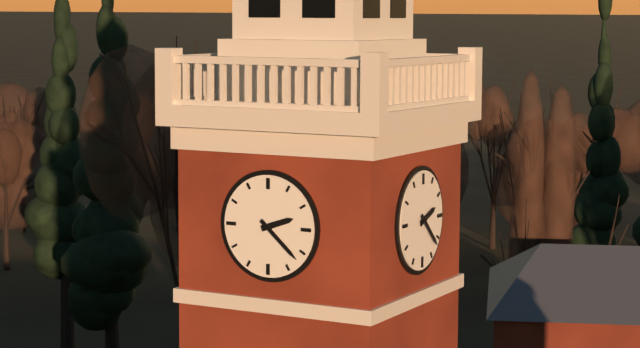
2:22
